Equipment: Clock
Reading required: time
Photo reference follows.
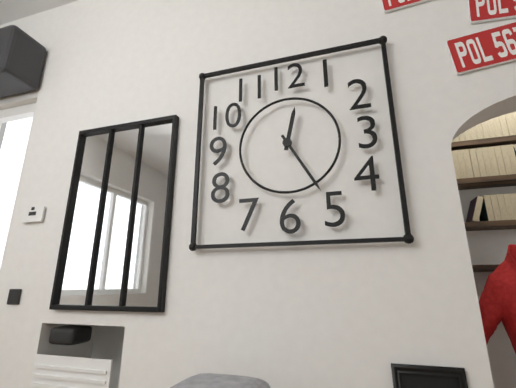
12:25
